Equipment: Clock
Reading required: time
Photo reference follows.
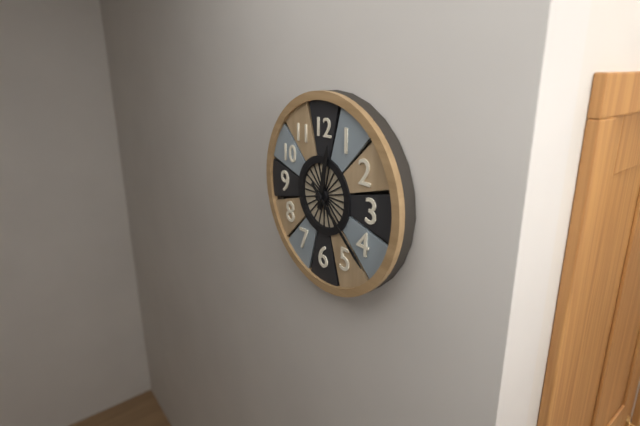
12:22
